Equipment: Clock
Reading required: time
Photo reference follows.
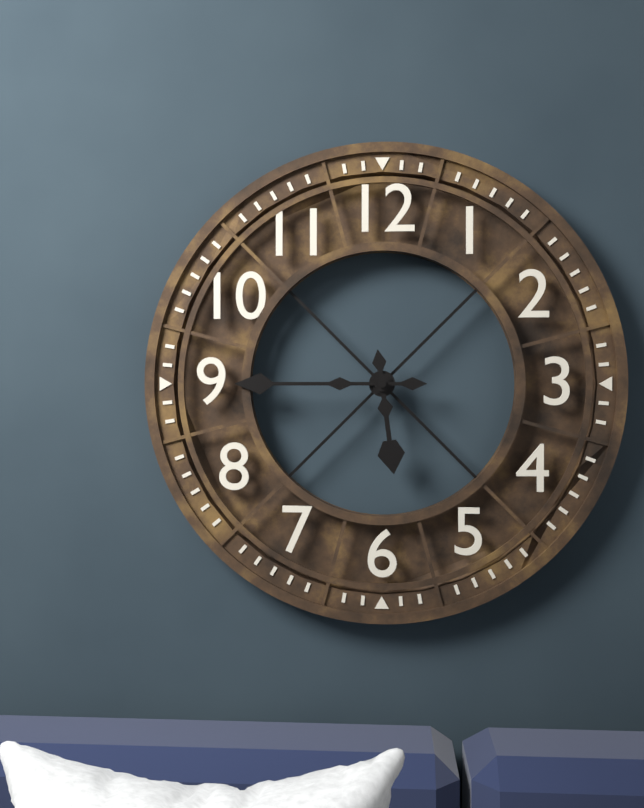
5:45
